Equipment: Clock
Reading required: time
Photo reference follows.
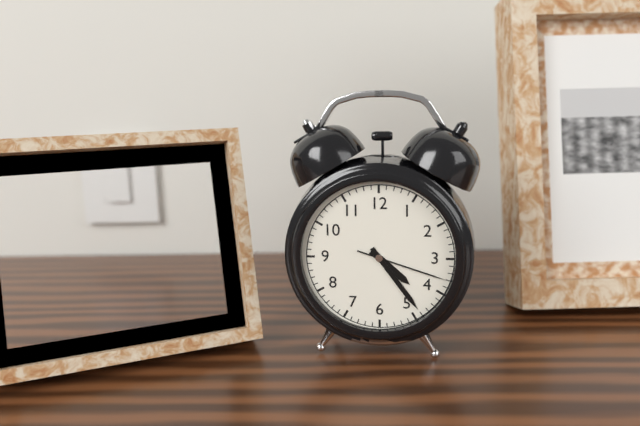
4:24:18
